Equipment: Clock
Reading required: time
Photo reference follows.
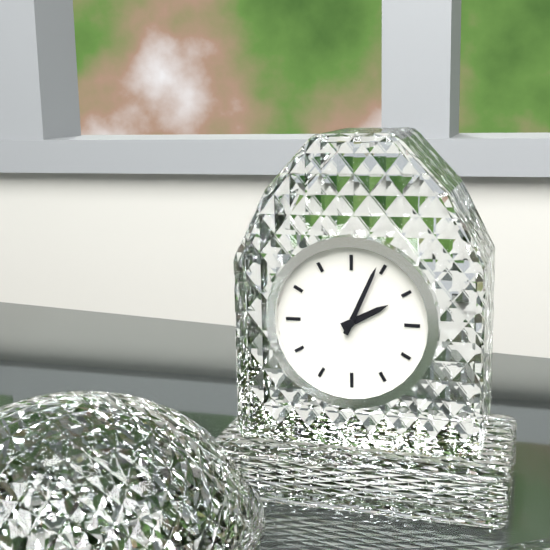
2:04
